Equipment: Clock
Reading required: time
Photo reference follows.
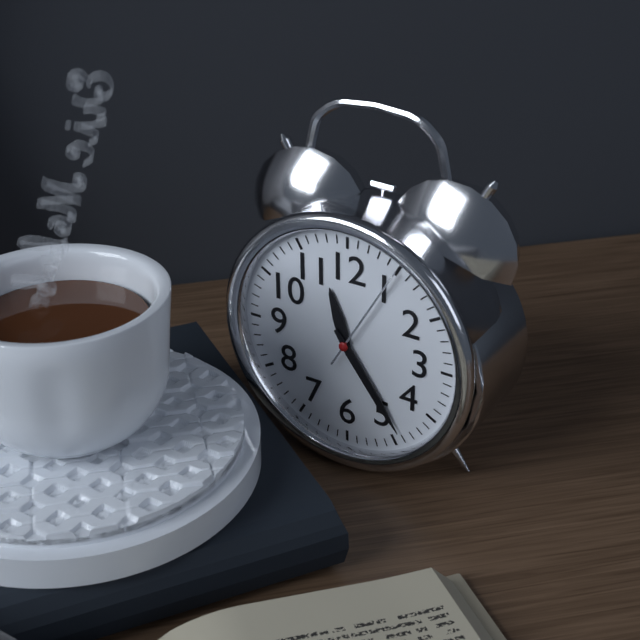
11:24:05
